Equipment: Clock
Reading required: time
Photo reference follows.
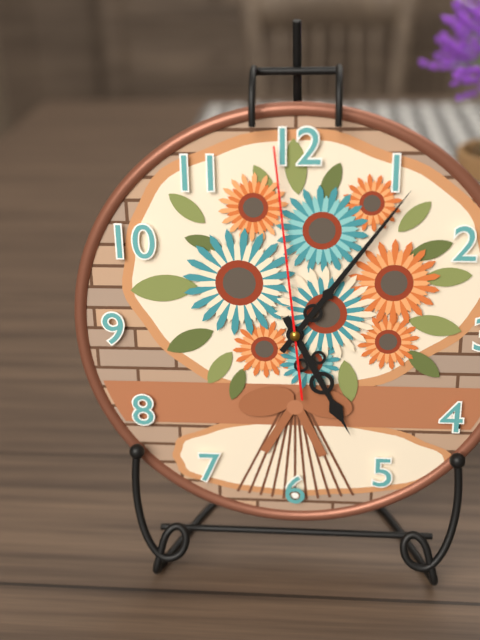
5:06:59
